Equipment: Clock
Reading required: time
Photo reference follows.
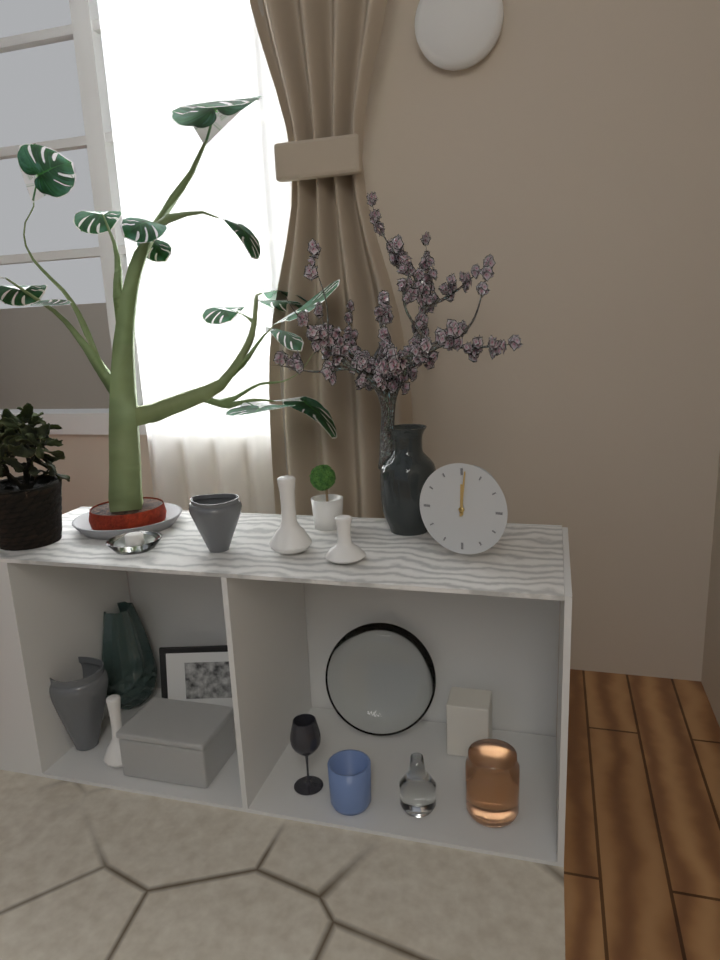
12:01
